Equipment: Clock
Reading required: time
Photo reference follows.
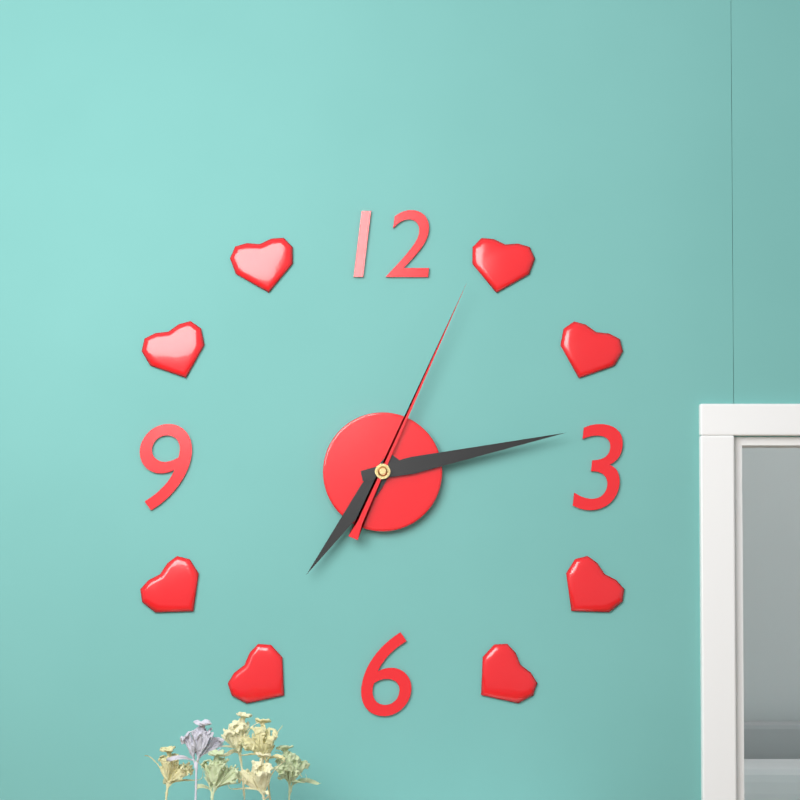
7:13:04
